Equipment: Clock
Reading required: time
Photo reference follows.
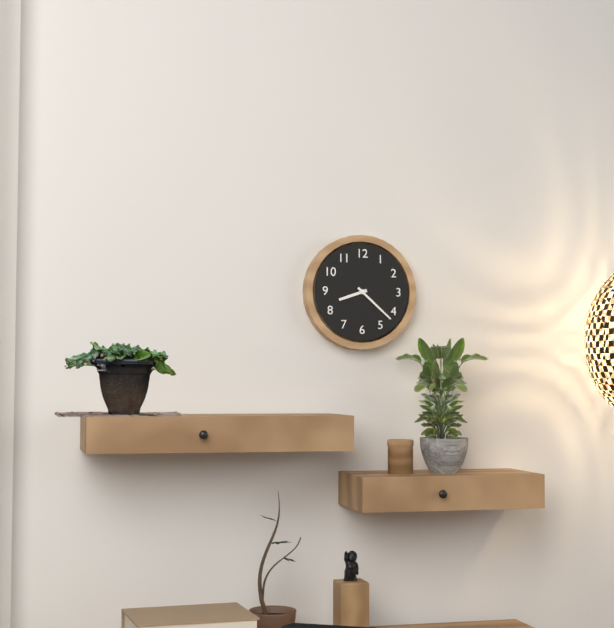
8:22
